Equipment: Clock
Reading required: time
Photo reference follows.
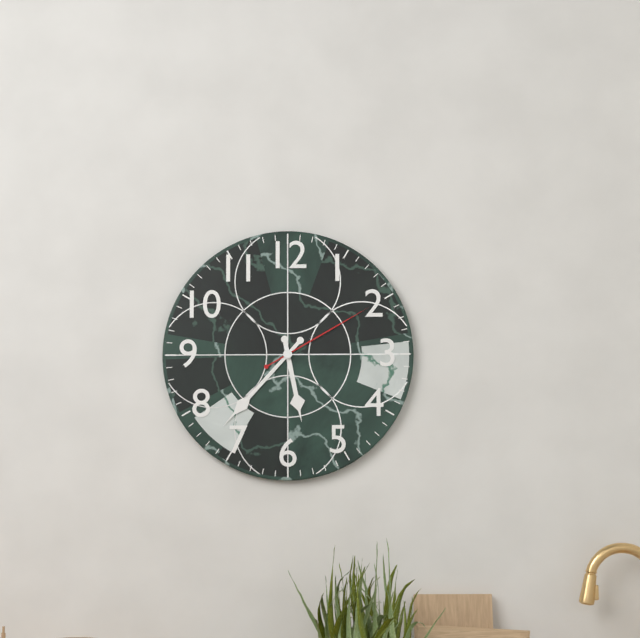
5:37:10
